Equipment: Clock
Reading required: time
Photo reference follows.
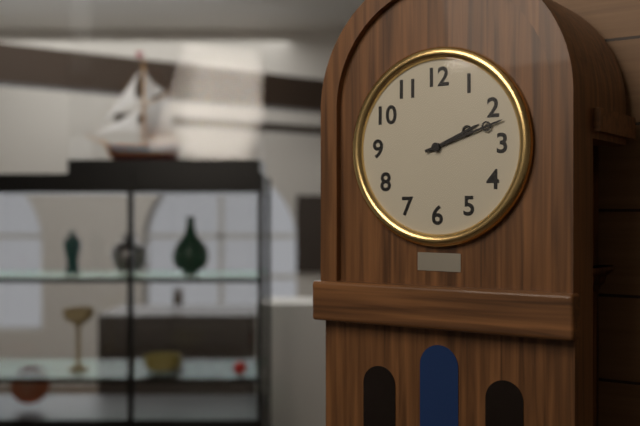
2:12
